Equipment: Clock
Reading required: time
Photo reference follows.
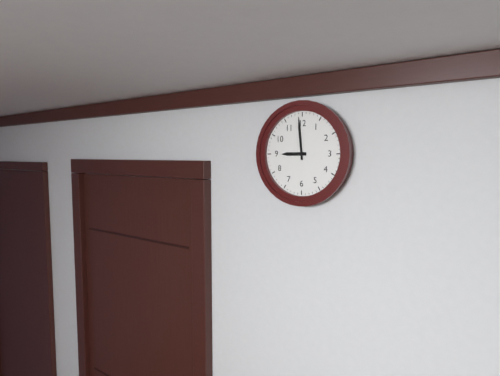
8:59
